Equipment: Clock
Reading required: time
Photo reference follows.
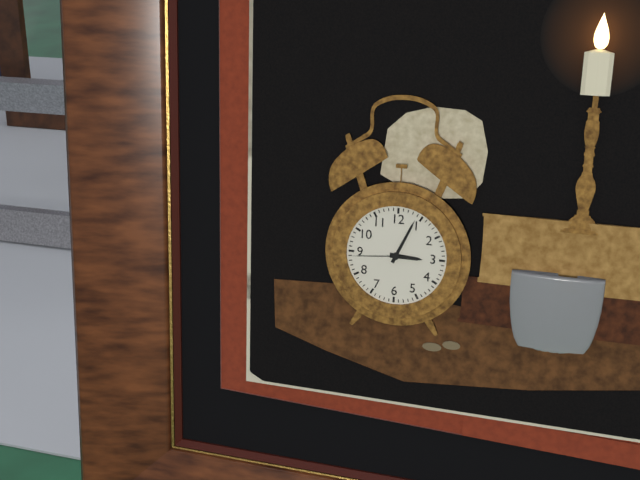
3:04:44
